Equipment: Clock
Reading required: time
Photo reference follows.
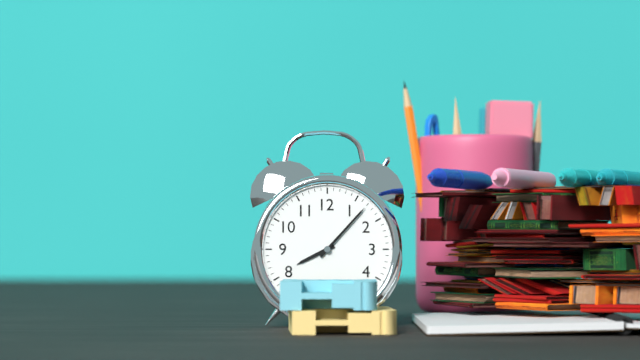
8:07
